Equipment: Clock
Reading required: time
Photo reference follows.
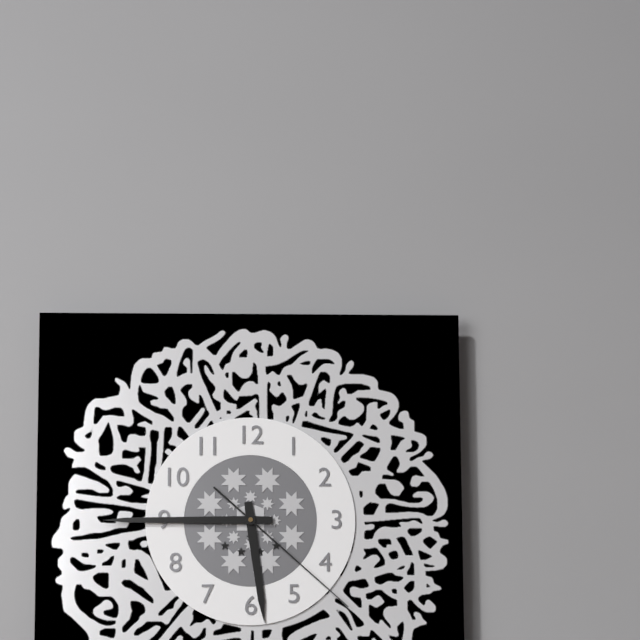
5:45:22
